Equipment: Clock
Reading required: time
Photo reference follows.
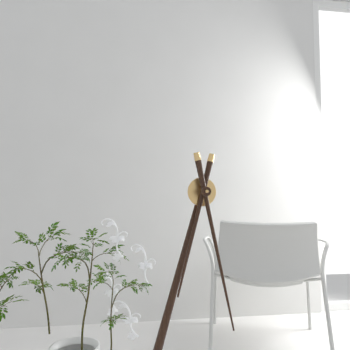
6:28
